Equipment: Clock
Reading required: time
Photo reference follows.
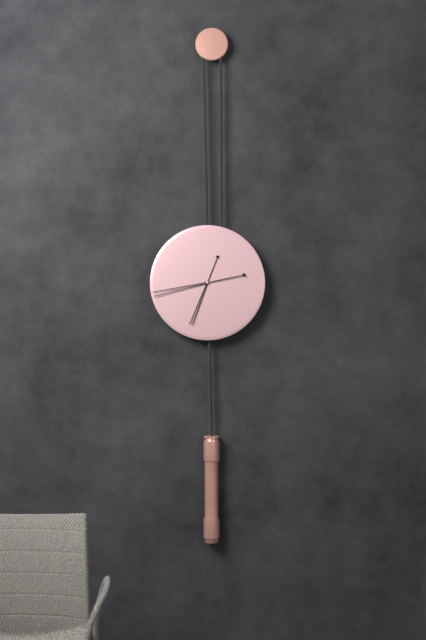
6:43
